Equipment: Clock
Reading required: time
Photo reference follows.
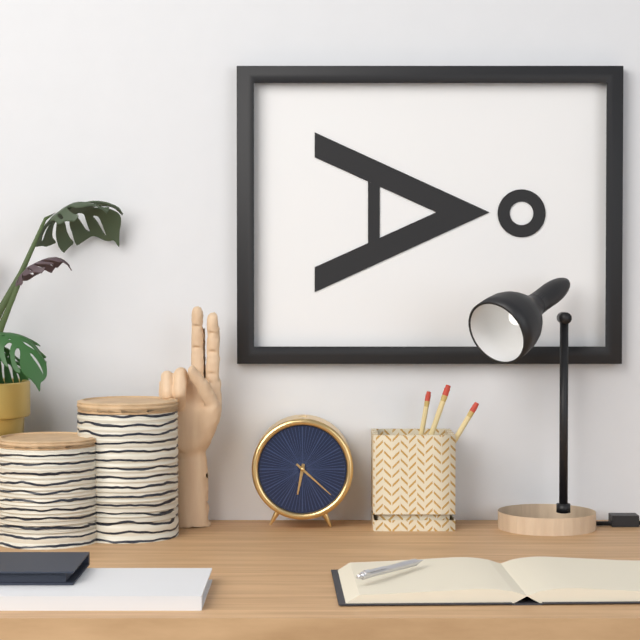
6:22
